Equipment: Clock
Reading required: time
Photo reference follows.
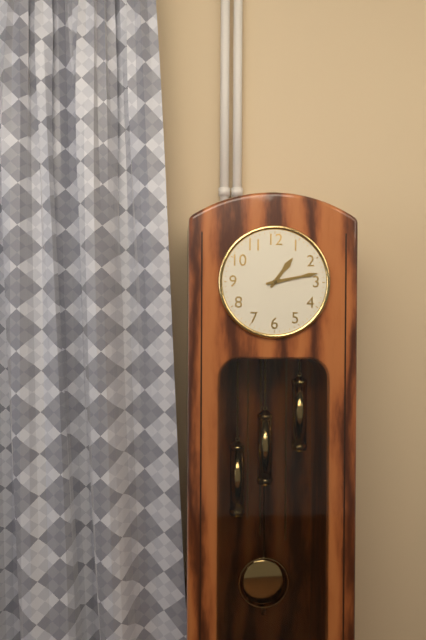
1:13
